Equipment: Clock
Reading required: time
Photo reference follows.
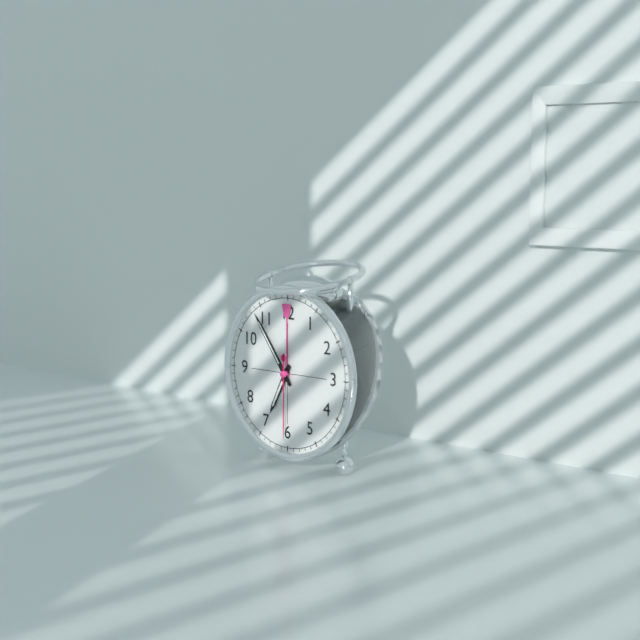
6:54:30
